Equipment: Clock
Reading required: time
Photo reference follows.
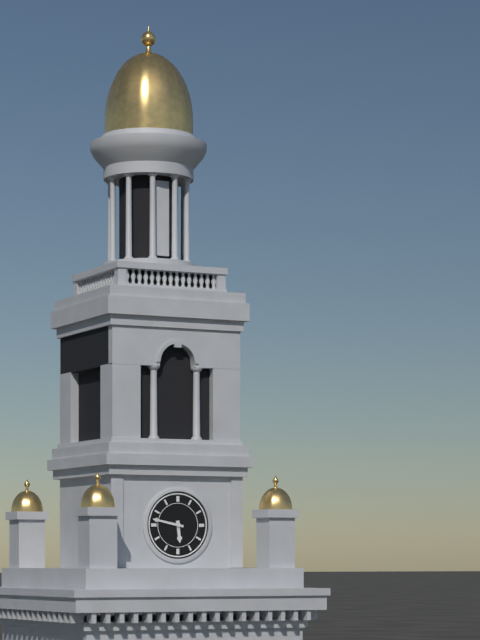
5:47
